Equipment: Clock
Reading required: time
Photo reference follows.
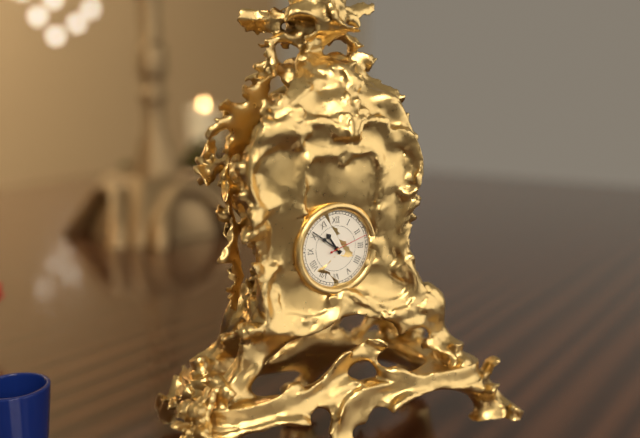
10:51
